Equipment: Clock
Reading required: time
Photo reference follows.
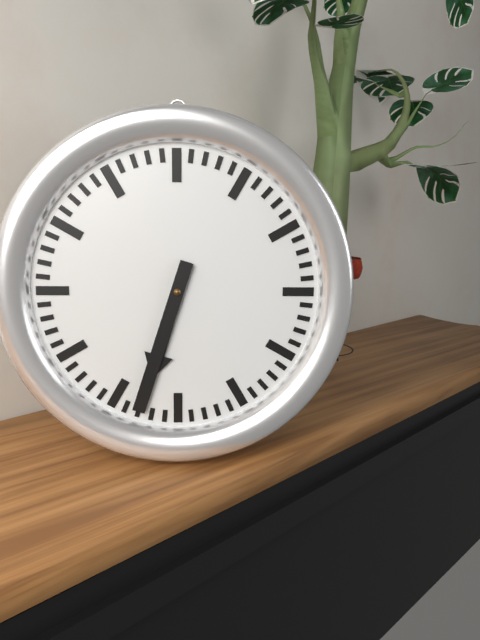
6:33
